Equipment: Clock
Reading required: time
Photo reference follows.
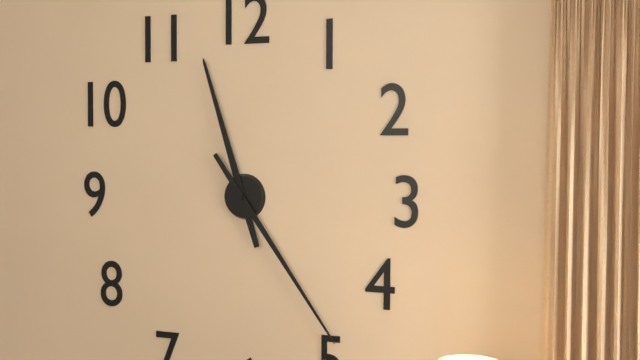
11:24
